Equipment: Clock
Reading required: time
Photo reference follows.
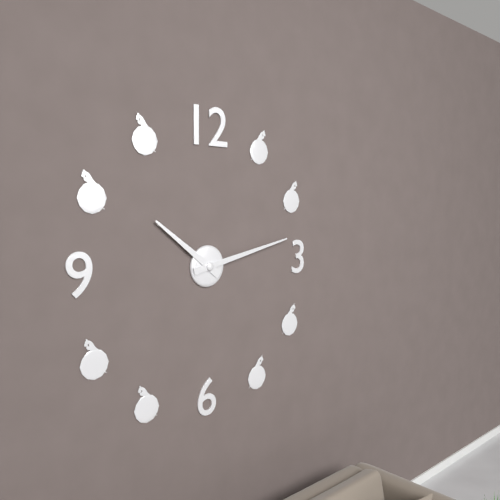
10:13
